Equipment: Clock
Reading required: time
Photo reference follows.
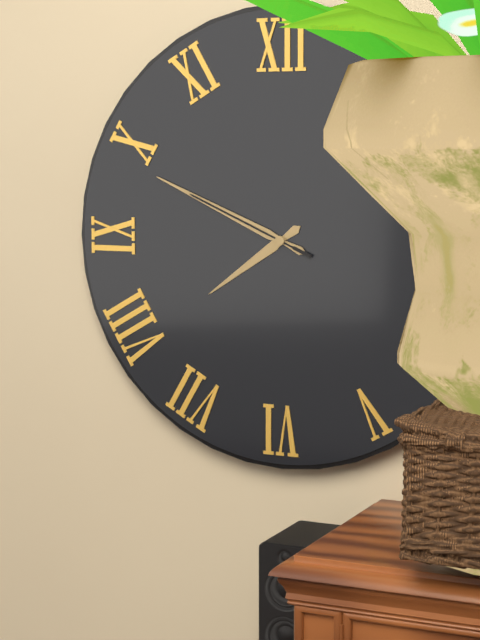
7:49:49
